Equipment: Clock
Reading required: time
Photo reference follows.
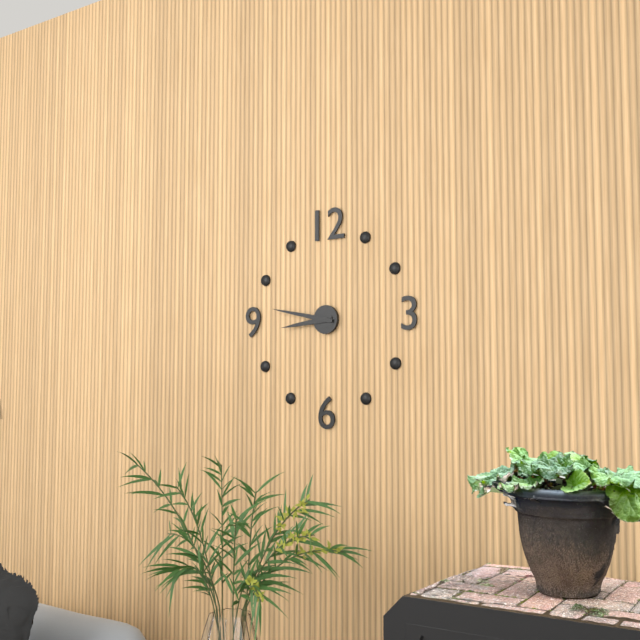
8:47
